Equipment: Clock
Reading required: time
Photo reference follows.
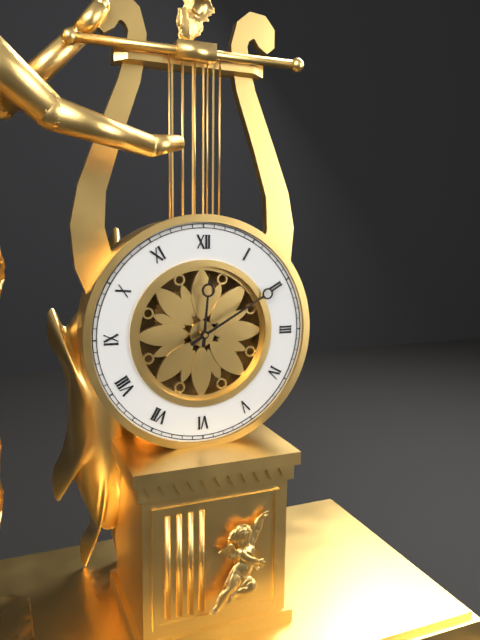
12:10
